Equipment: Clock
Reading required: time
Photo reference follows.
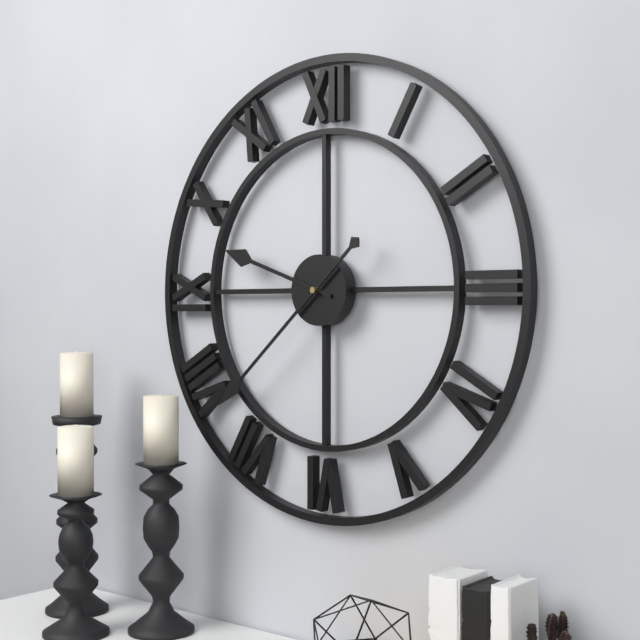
9:38
